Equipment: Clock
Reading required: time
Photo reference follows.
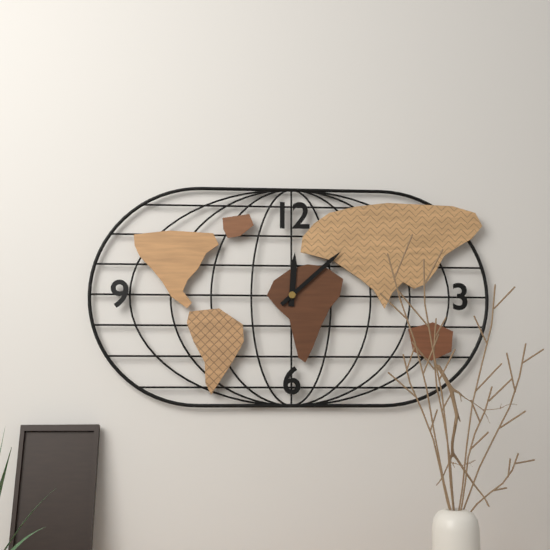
12:08
